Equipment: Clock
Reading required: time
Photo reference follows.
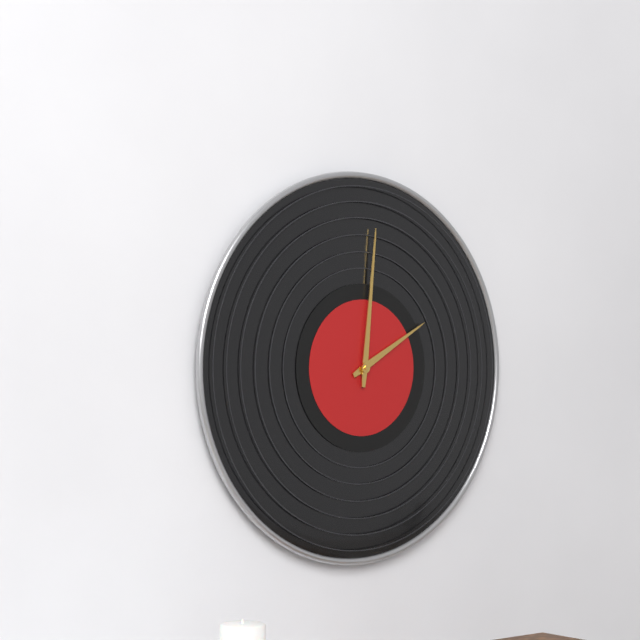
2:01
